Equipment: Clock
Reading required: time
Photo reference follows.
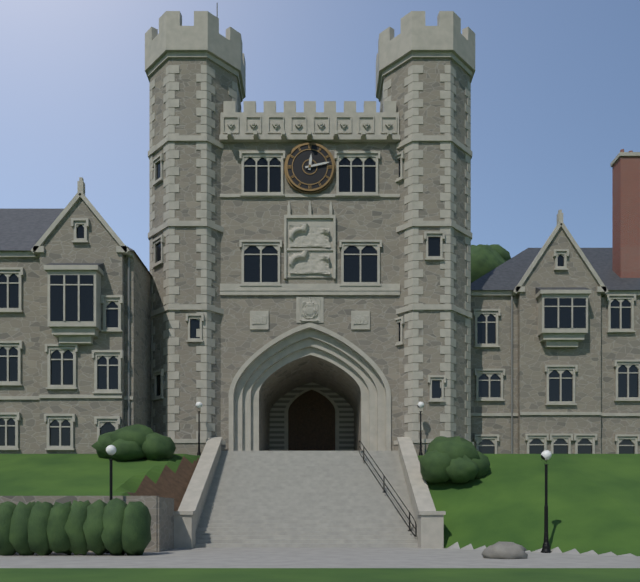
12:13
